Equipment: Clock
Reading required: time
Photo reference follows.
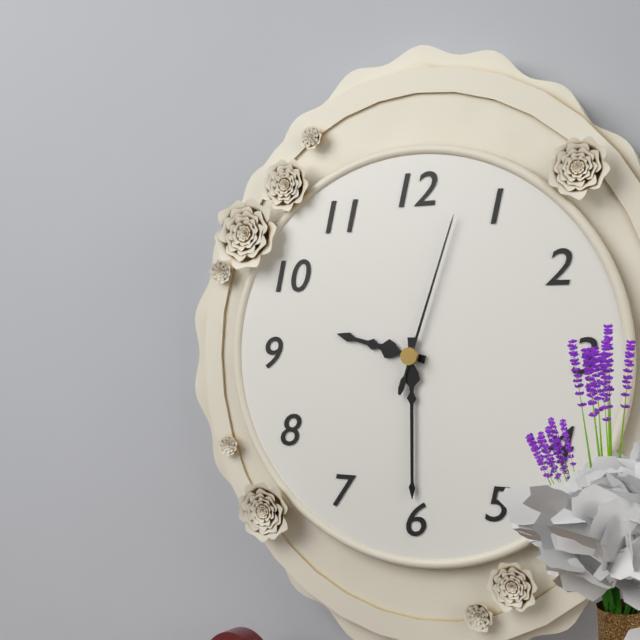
9:30:03
